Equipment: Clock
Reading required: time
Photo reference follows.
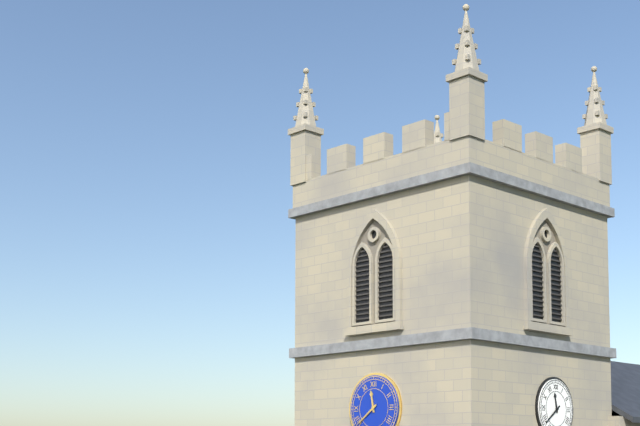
11:39
